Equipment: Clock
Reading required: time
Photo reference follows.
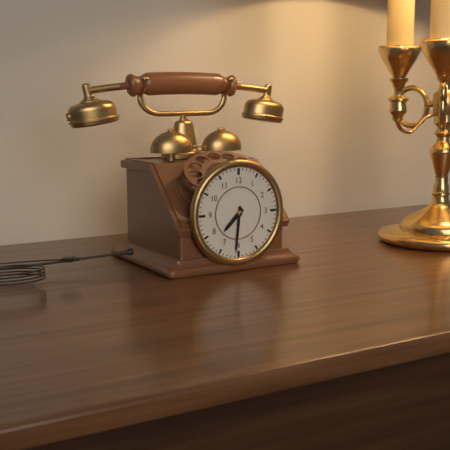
7:31
